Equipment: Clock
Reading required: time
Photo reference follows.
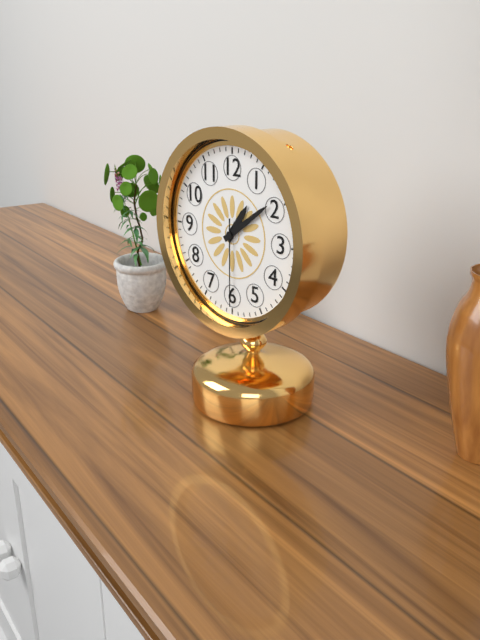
1:09:30
